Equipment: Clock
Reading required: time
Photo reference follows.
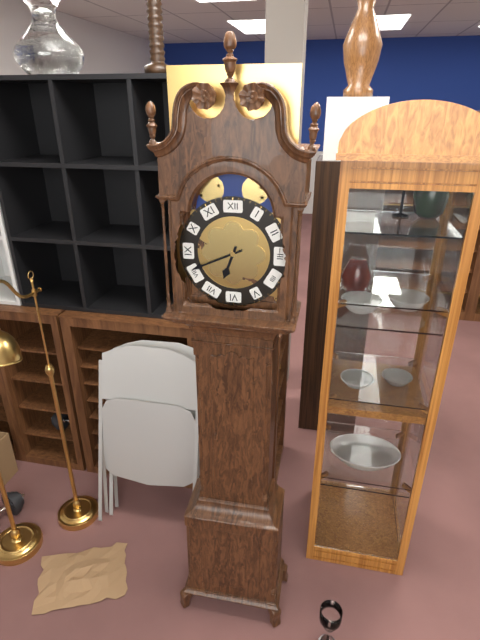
6:41
